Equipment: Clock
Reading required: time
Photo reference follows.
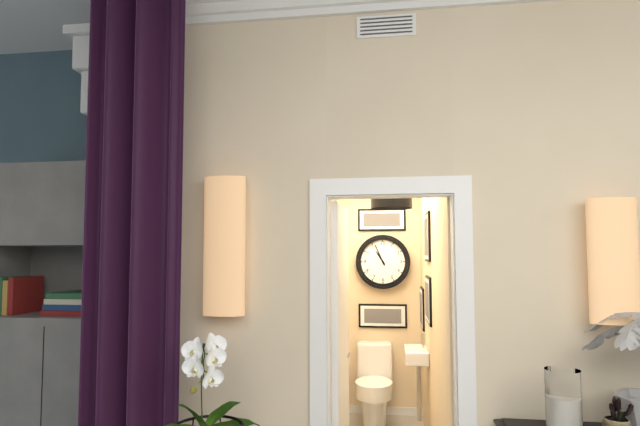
10:56
